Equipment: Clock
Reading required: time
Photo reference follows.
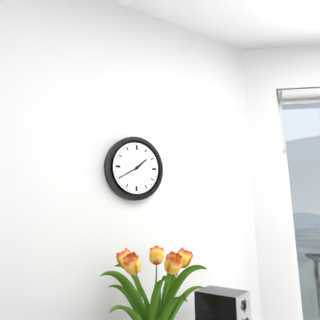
1:40
